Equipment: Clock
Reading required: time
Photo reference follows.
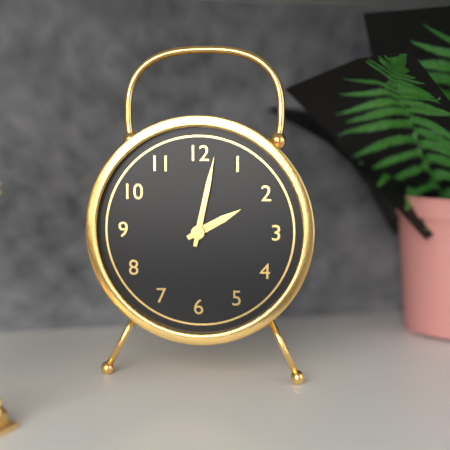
2:02
